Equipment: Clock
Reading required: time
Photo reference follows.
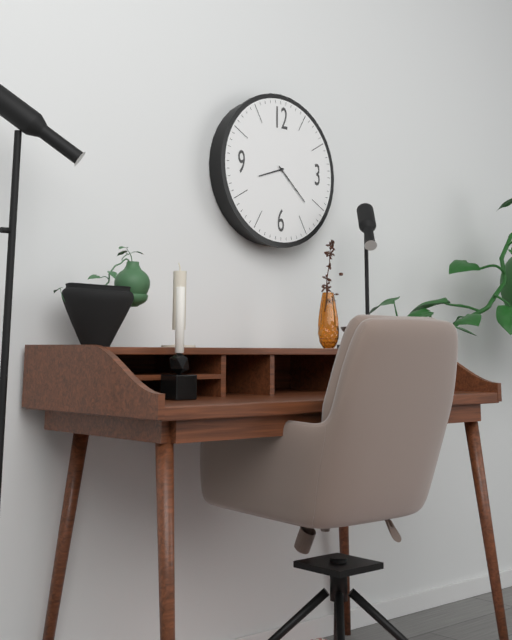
8:22
